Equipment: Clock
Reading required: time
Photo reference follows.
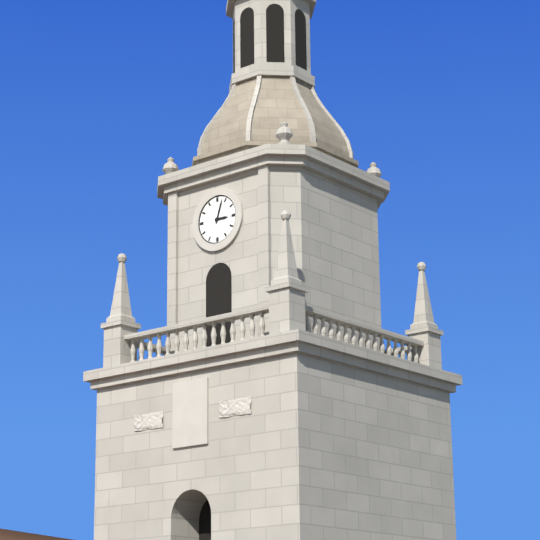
3:03
